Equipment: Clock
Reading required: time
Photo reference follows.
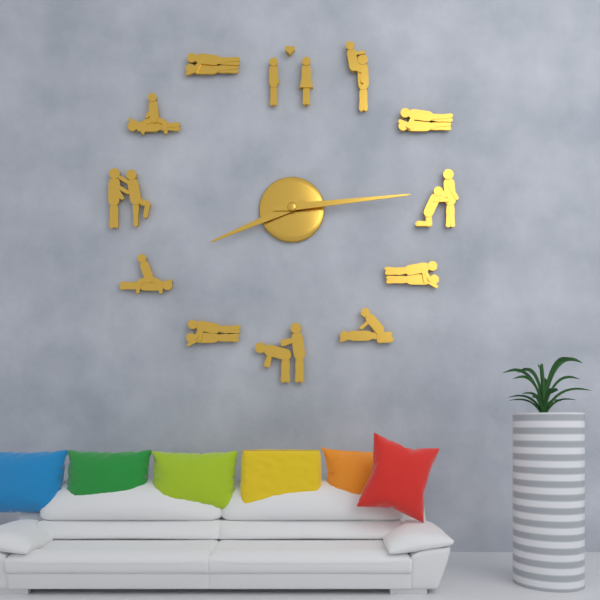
8:14
